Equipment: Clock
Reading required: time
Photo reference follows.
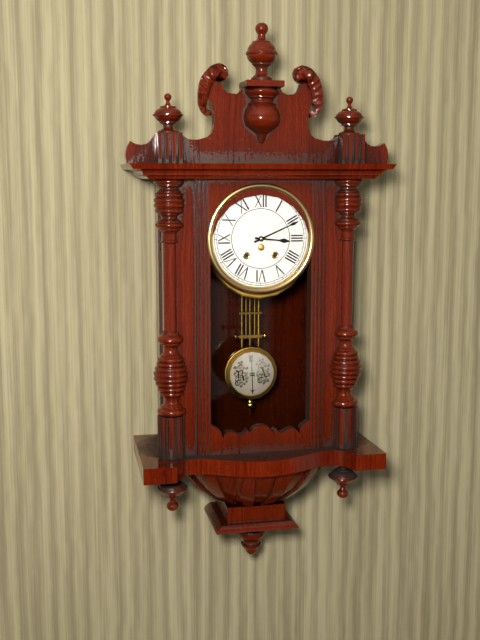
3:11
